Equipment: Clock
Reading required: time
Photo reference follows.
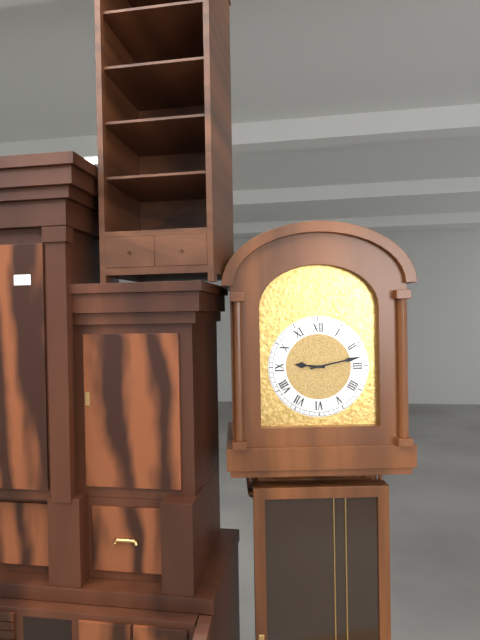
9:13
